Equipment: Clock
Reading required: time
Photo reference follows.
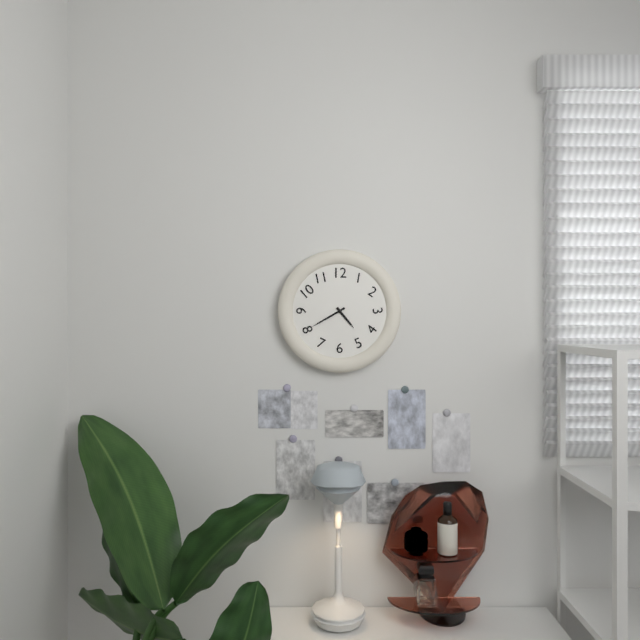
4:40
